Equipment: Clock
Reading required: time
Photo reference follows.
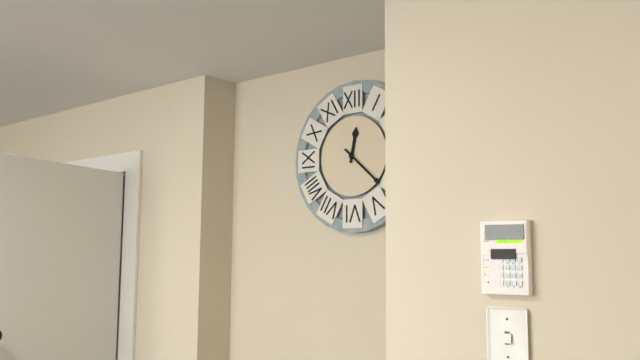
12:22
